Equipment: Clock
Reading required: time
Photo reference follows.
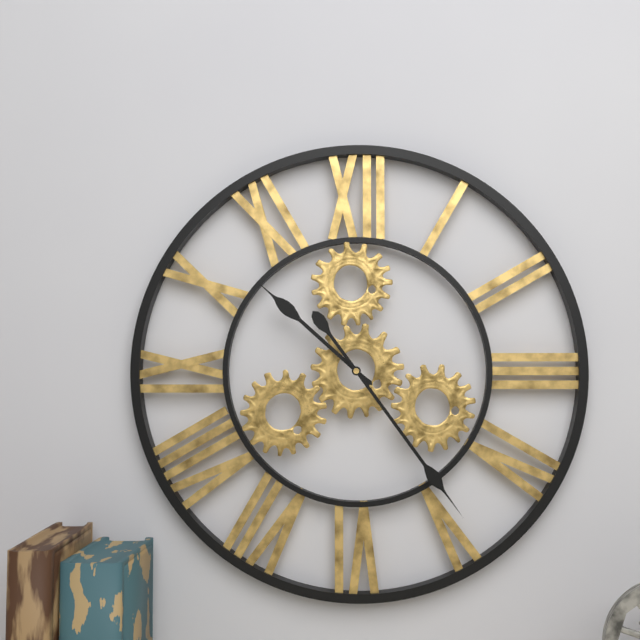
10:24
